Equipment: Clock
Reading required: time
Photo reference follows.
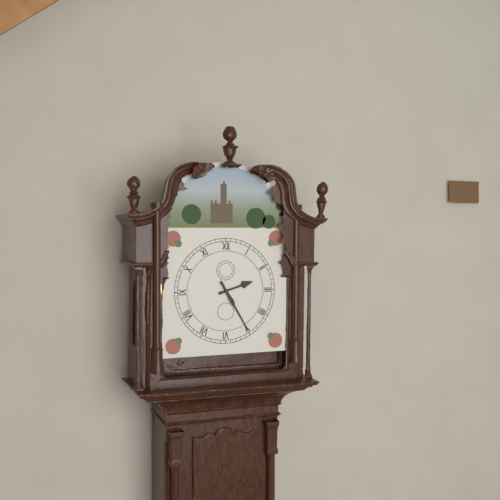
2:25
